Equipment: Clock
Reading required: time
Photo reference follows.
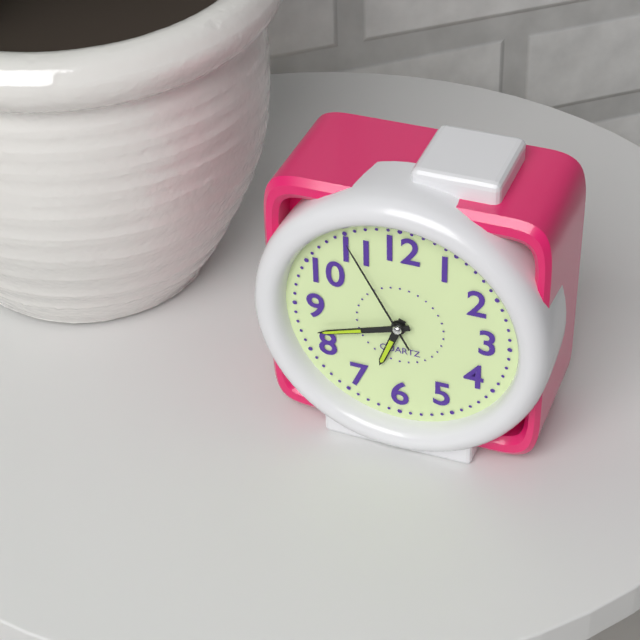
6:42:55
